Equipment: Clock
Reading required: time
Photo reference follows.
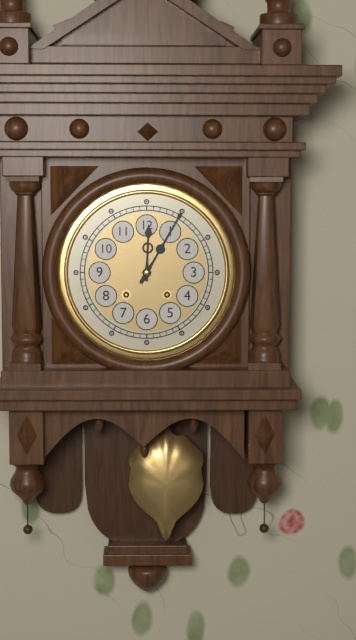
12:05
